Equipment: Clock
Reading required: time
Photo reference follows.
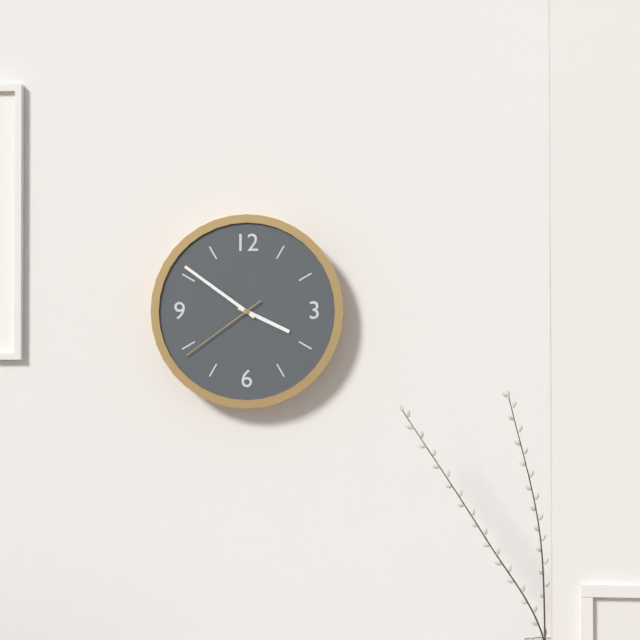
3:51:39
